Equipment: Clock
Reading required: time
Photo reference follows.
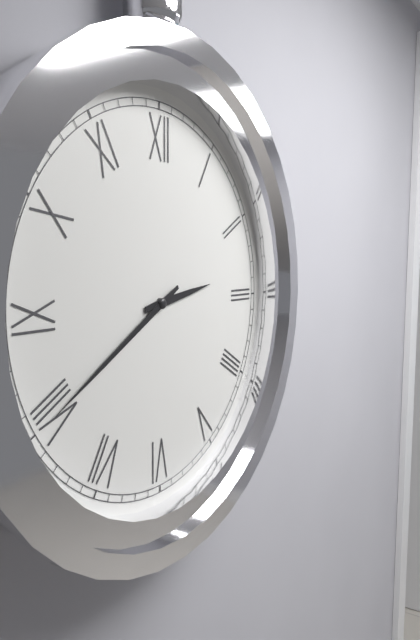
2:40
